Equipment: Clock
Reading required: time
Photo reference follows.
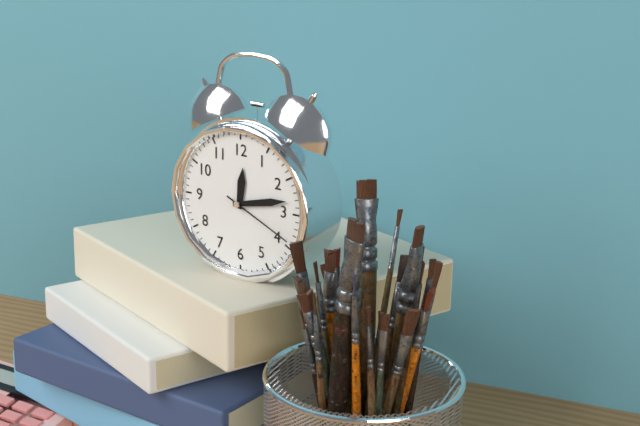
12:13:19
